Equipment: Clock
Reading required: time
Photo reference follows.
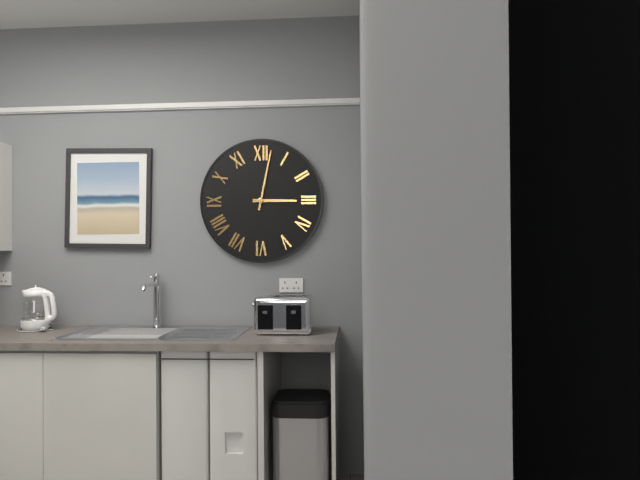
3:02
